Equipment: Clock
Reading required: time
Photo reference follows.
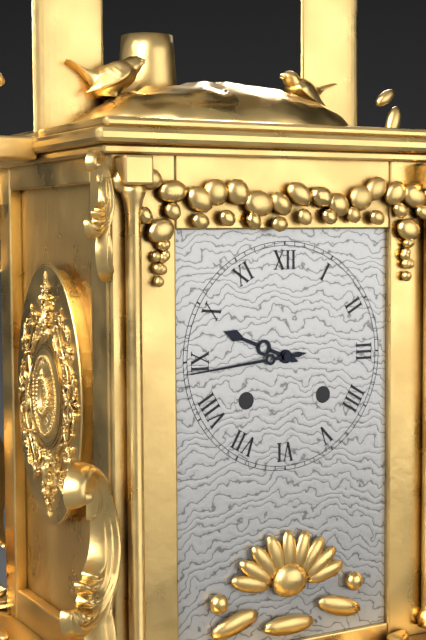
9:44
